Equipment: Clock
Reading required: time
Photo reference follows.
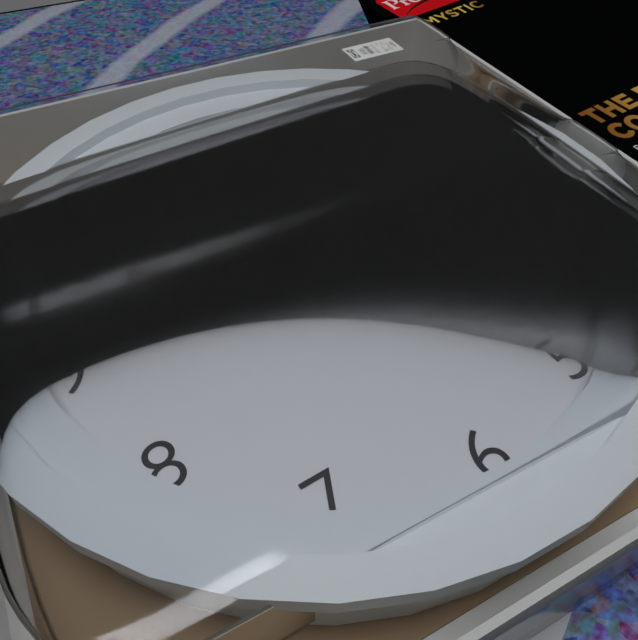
10:00
